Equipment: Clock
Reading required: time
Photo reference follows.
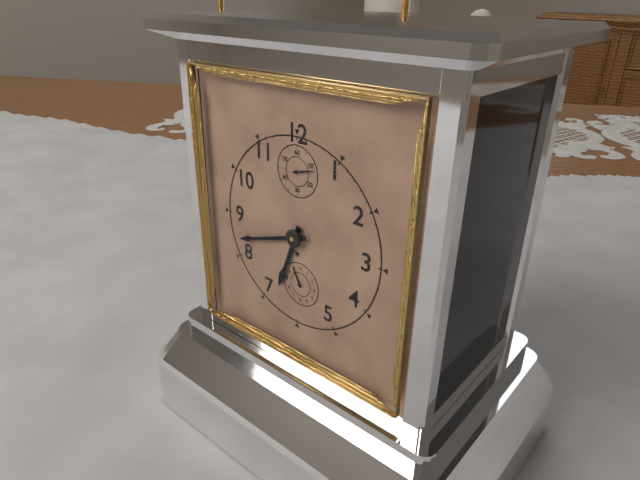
6:42
